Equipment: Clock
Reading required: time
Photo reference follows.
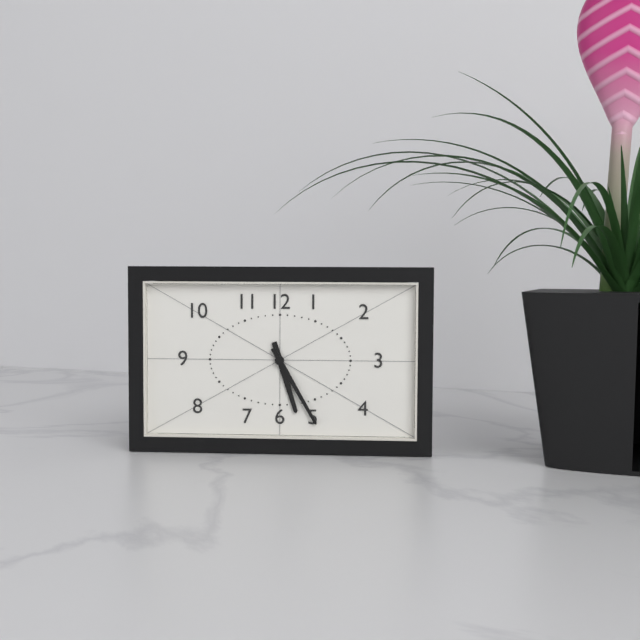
5:25
